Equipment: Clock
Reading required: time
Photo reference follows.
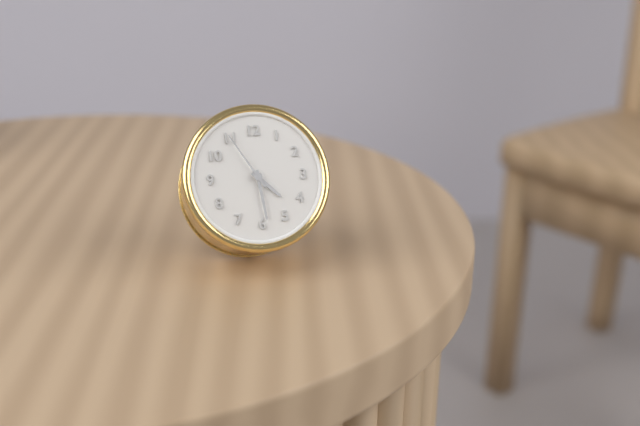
4:29:55
